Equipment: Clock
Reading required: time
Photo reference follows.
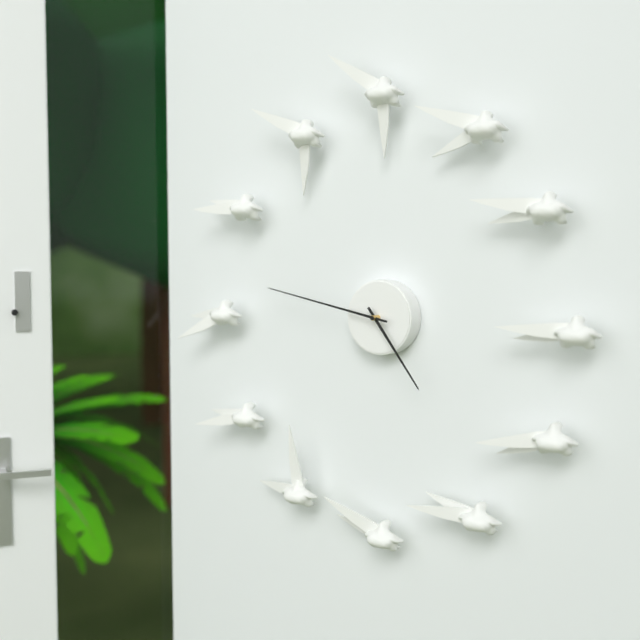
4:47
